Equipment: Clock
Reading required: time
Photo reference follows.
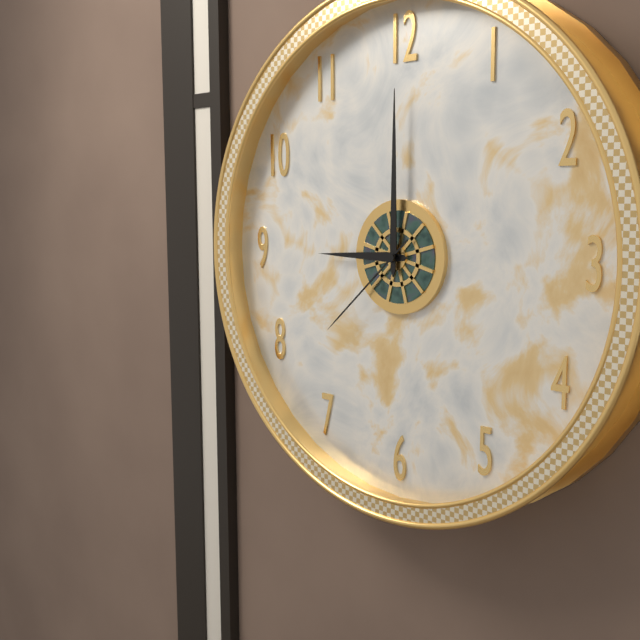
9:00:38
